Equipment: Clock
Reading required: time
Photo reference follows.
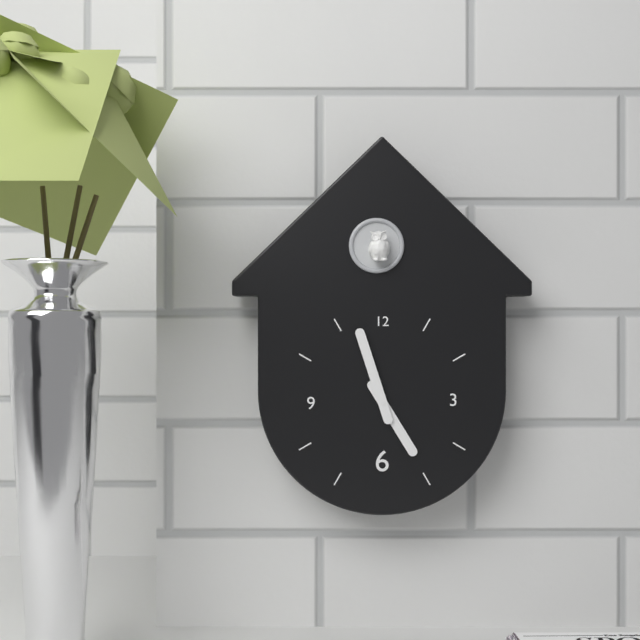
4:57
